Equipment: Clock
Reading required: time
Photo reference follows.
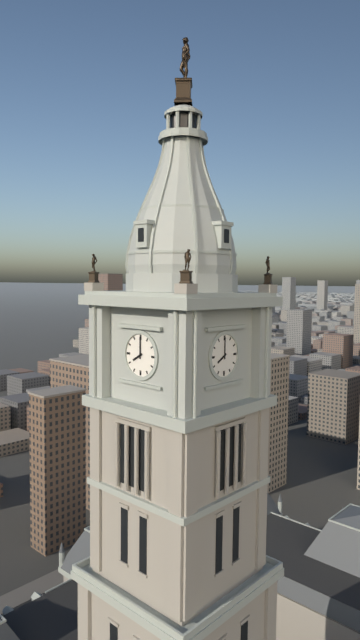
8:00
